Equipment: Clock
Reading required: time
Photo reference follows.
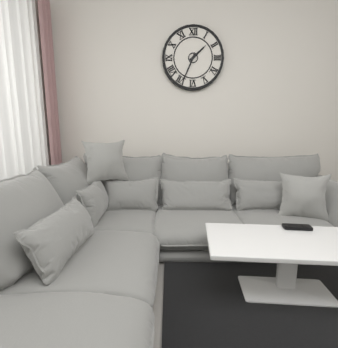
1:34
